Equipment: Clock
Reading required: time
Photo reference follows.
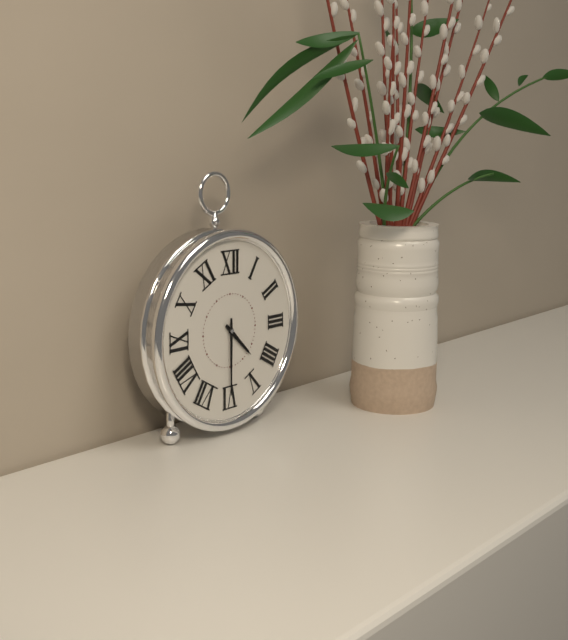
4:30
